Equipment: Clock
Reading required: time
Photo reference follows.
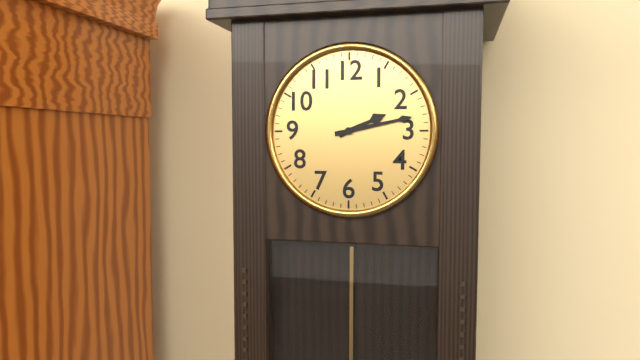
2:13
